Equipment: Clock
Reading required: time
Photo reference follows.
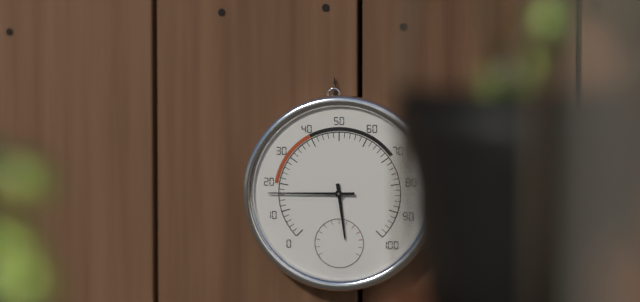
5:45
